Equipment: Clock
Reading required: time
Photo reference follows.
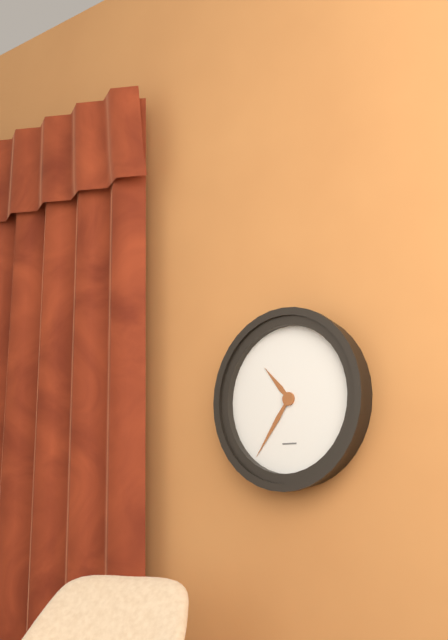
10:36
